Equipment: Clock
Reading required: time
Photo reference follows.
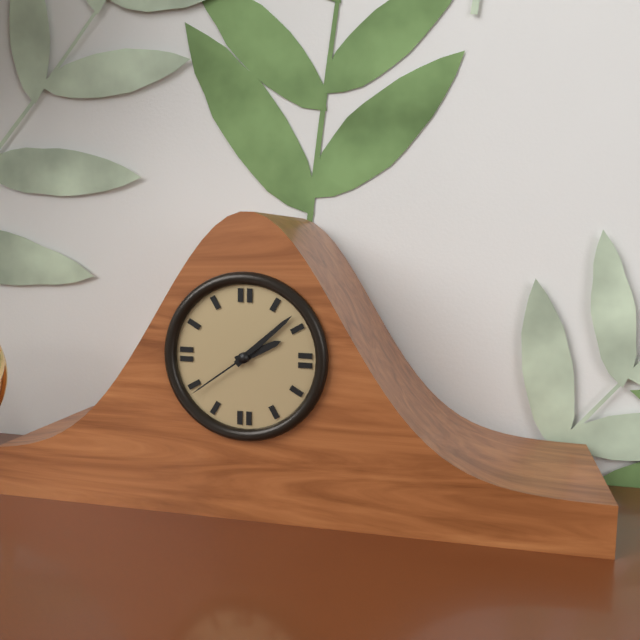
2:08:39
